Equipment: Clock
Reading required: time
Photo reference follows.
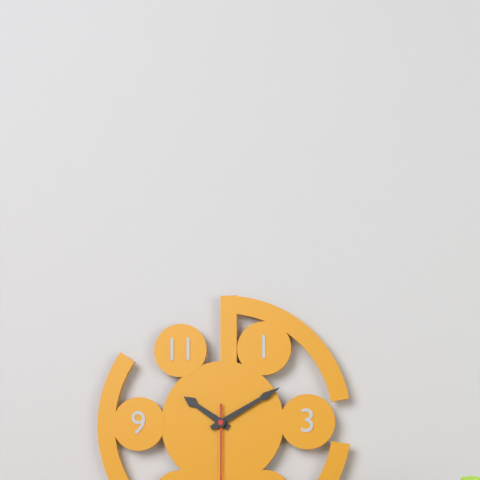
10:10
